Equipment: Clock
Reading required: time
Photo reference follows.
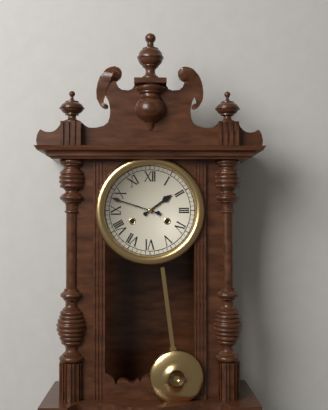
1:48
